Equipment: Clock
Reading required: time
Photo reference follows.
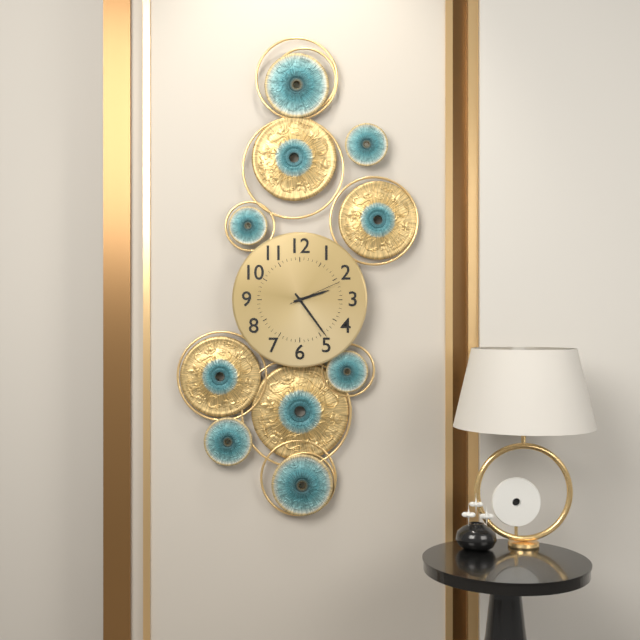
2:24:11
